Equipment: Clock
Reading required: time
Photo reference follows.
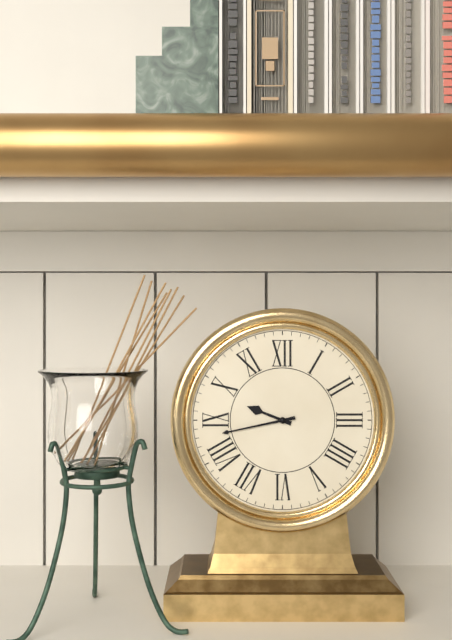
9:43
